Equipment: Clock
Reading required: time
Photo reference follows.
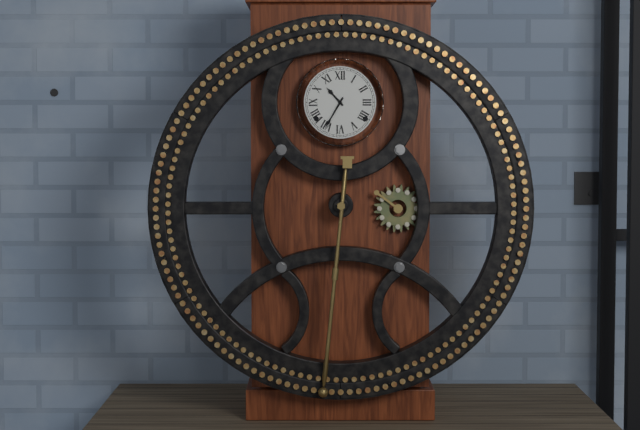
10:35
